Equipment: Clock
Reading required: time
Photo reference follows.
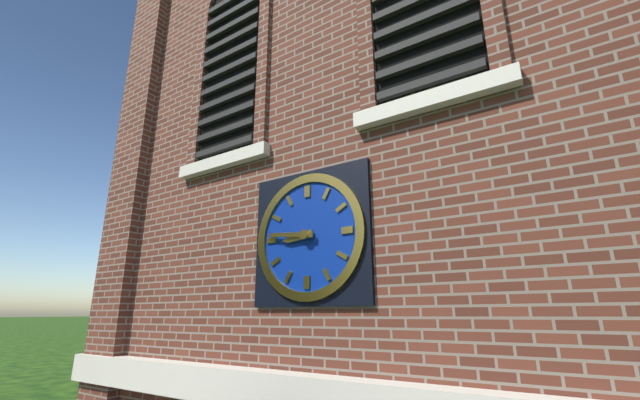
8:46
